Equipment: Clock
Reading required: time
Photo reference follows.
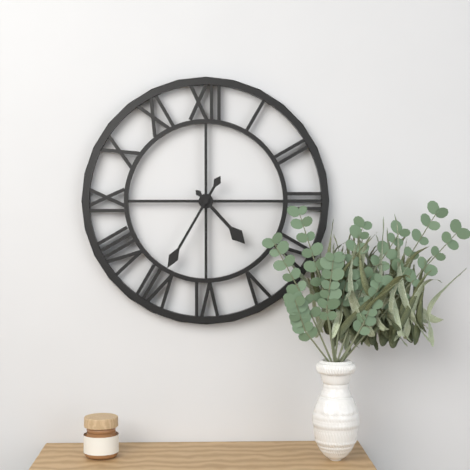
4:35
